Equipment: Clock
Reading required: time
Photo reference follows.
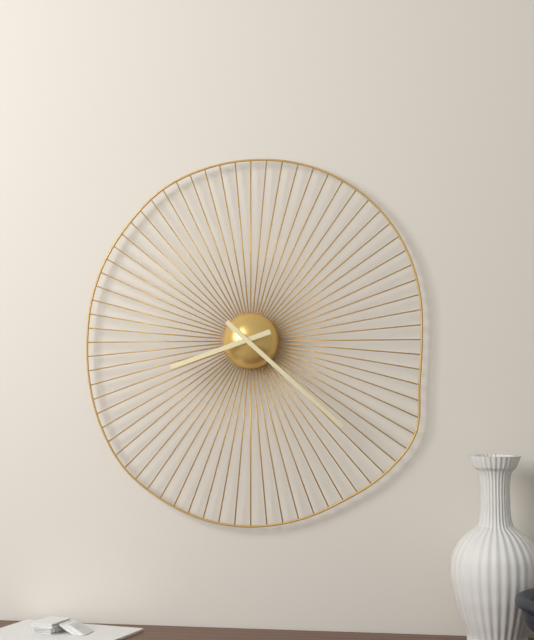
8:22
